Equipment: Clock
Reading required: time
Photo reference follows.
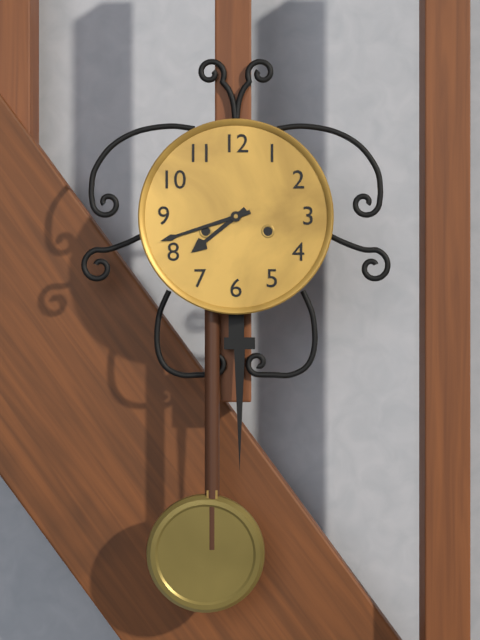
7:42
